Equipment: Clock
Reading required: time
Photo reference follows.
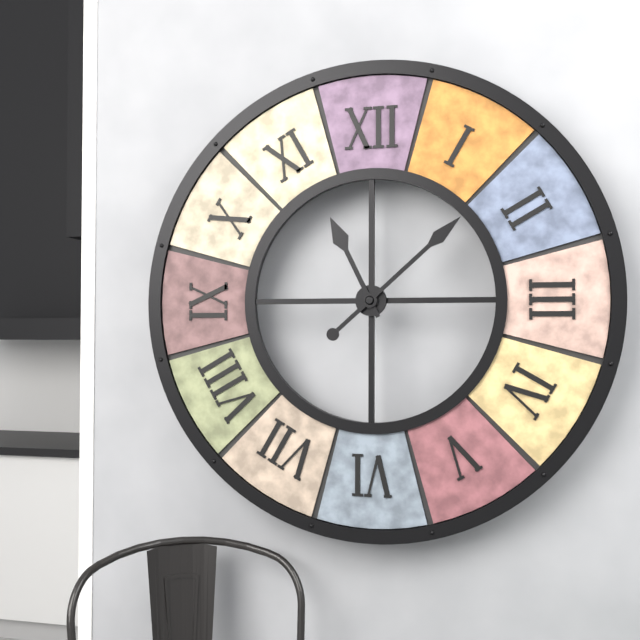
11:08
